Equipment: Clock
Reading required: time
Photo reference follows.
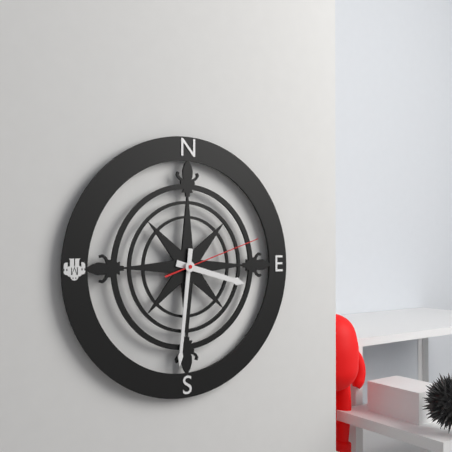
3:31:12
